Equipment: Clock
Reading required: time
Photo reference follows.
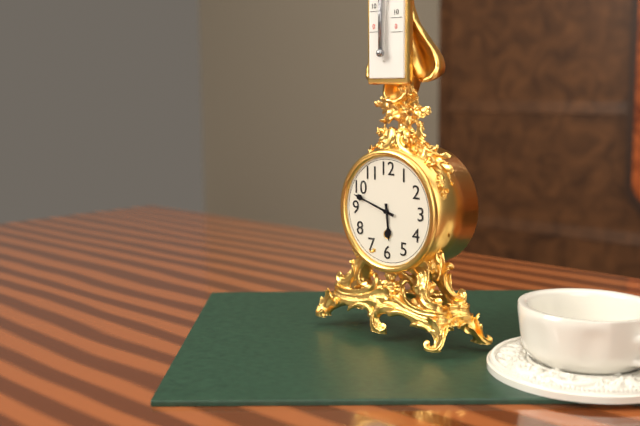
5:48
